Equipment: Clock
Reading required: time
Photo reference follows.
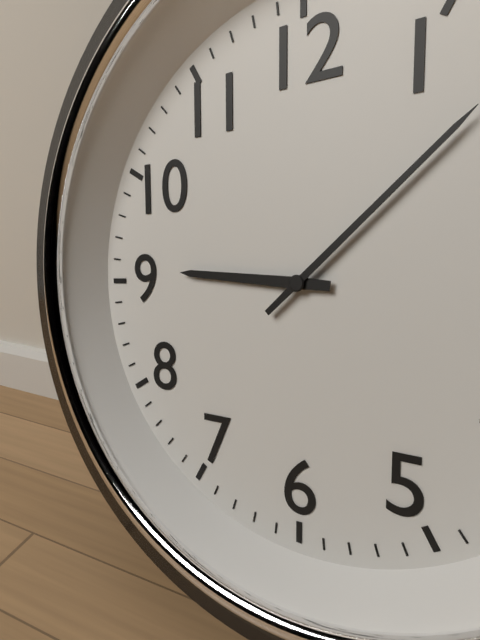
9:08
